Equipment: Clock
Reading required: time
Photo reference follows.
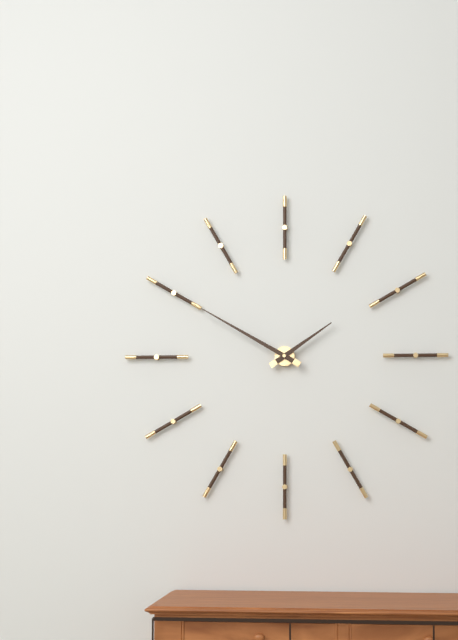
1:50
